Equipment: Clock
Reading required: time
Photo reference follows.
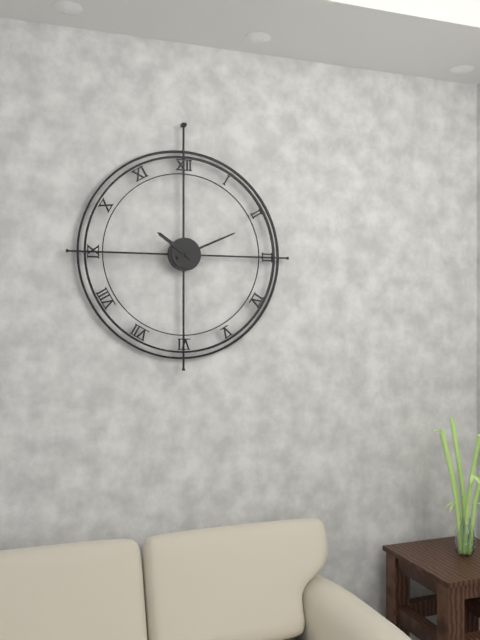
10:11
